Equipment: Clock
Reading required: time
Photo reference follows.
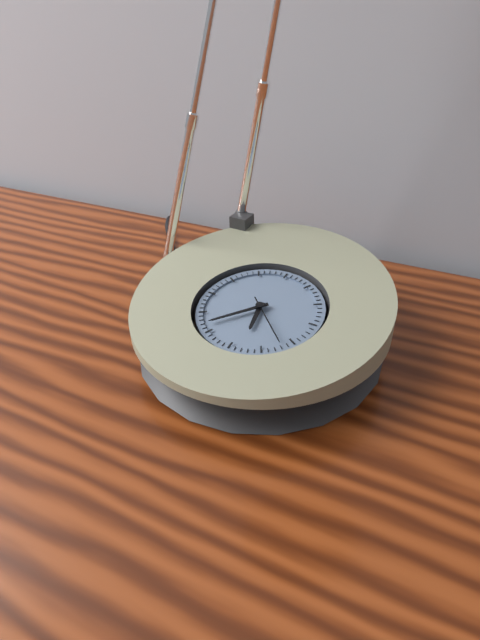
5:37:22
